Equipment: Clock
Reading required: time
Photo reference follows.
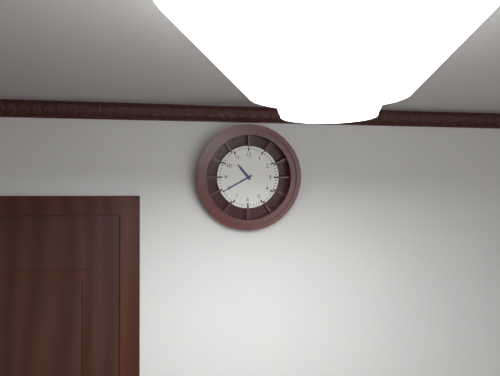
10:40
